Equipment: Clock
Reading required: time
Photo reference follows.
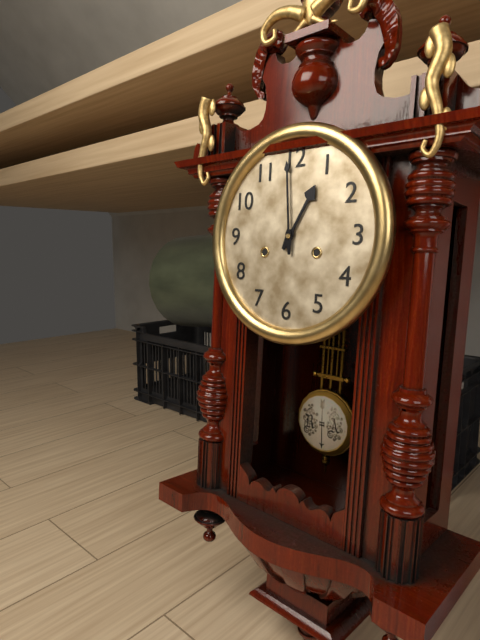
12:59
